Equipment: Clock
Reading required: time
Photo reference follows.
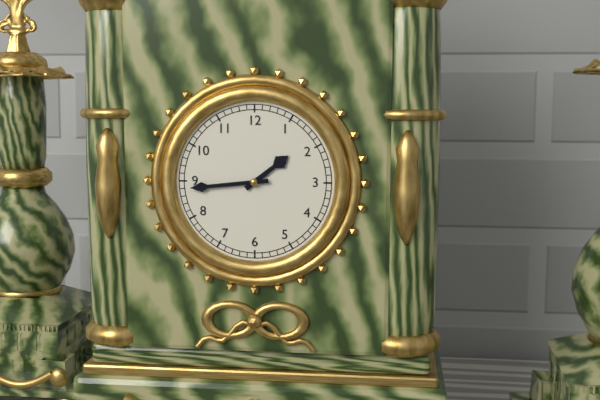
1:44
